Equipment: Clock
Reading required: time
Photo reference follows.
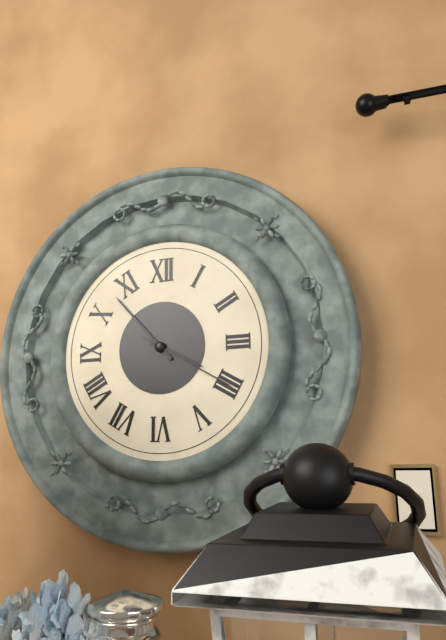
3:53:20
